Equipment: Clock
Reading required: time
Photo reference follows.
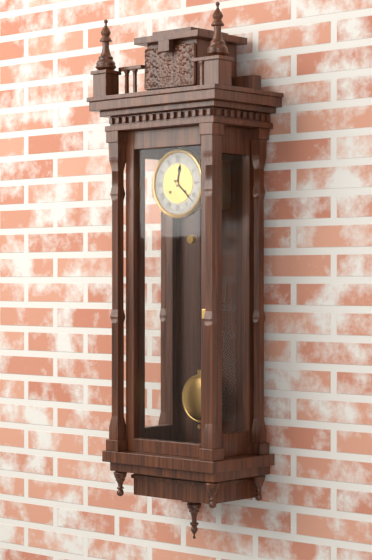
12:22
